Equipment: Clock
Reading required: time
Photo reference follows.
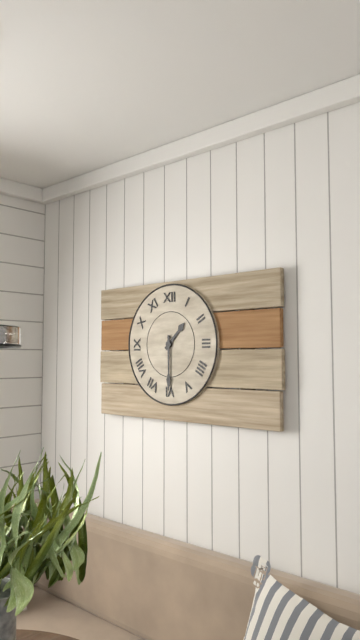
1:30
